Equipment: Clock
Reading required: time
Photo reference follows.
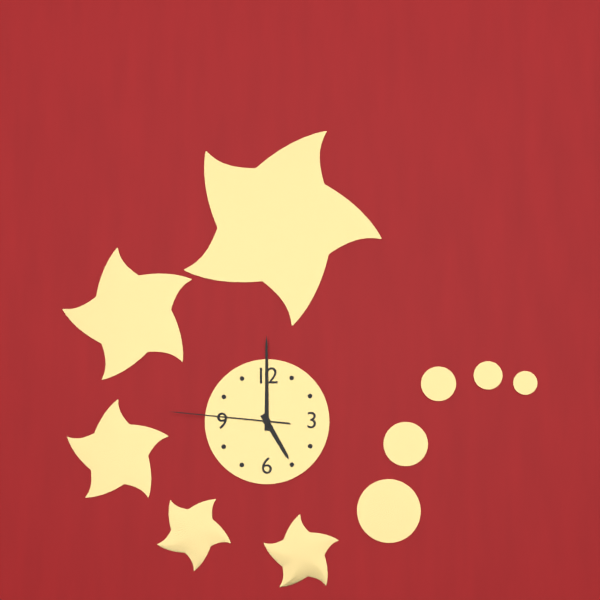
5:00:46
